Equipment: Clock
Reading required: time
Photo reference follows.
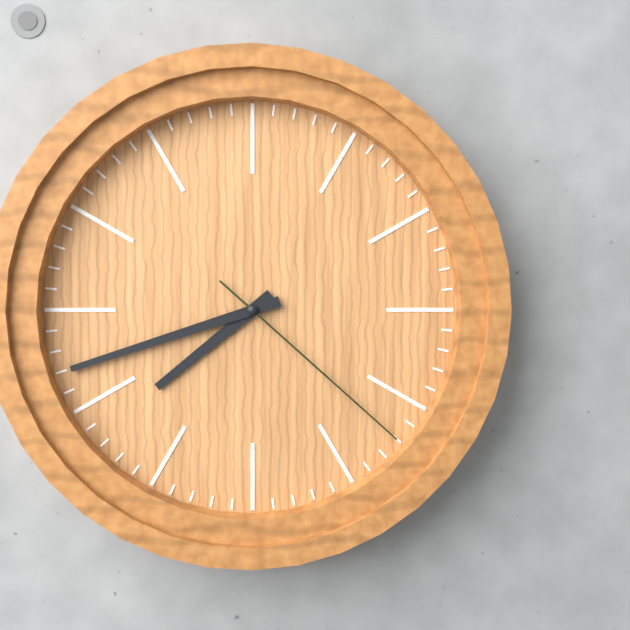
7:42:22
